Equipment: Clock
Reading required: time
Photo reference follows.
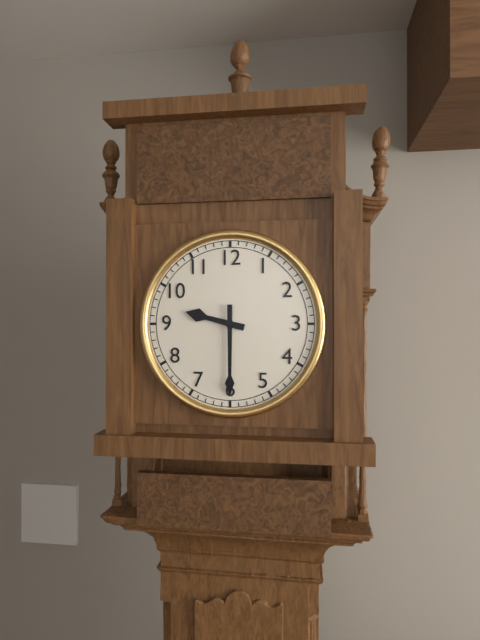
9:30
